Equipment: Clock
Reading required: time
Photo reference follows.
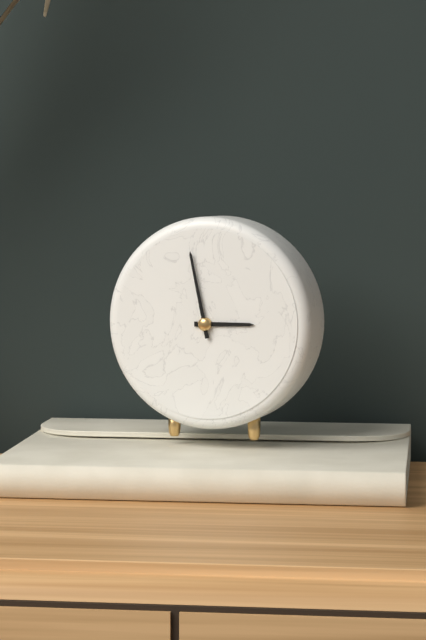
2:58
